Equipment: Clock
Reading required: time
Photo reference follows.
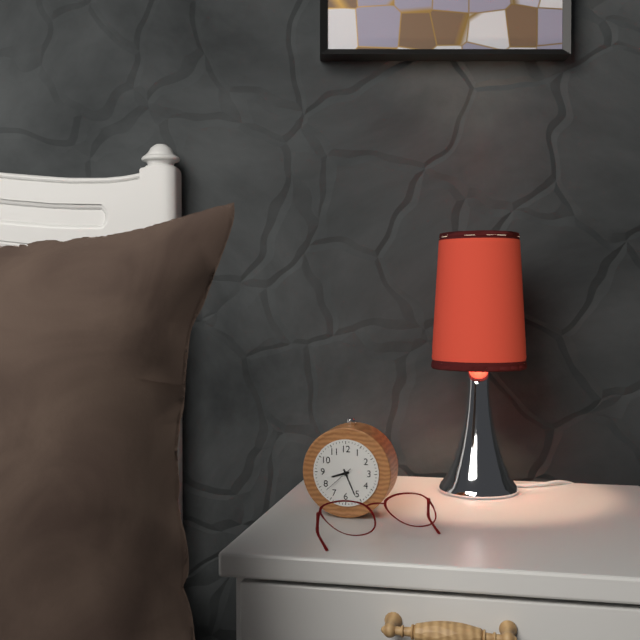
8:26
